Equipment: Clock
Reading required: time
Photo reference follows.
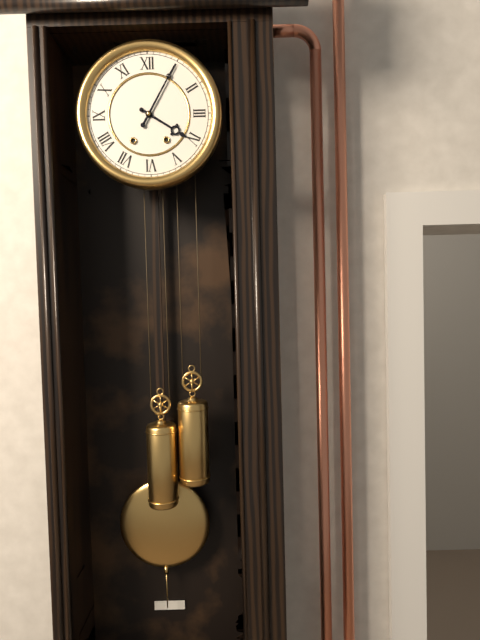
4:05
